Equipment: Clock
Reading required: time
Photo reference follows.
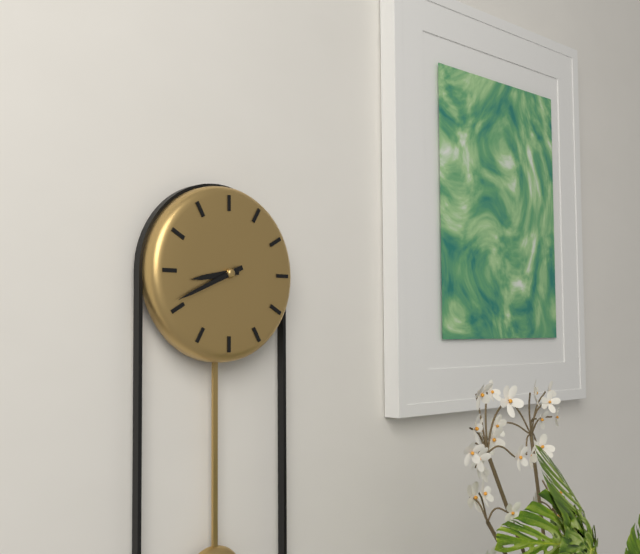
8:41
